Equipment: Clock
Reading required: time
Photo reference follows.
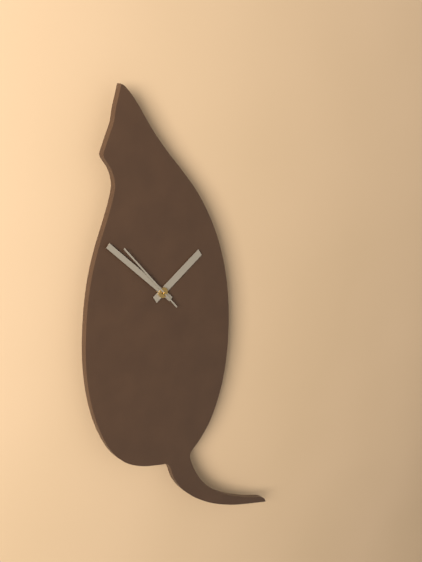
1:52:53
